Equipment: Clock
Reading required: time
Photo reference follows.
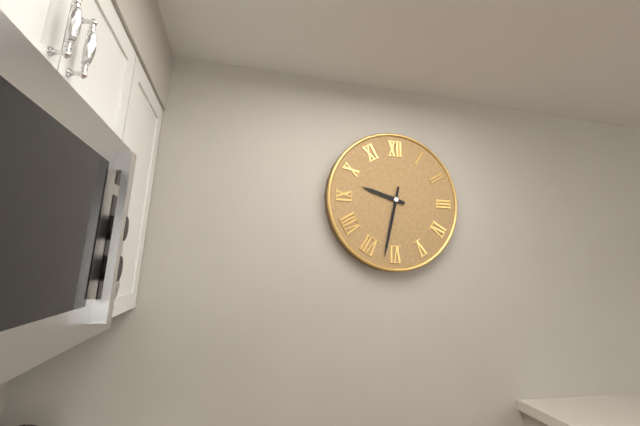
9:32
